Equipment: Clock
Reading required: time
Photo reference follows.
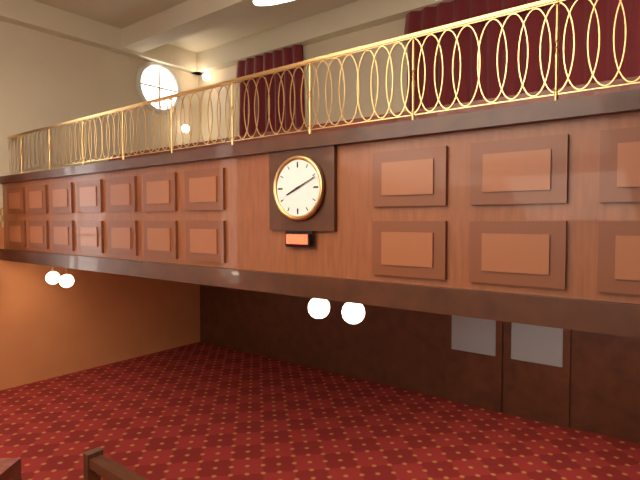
8:11
